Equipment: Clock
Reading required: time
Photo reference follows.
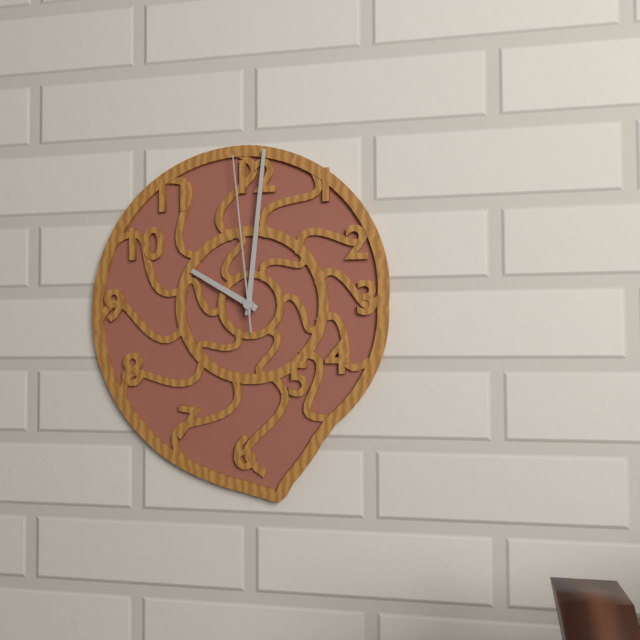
10:01:59
